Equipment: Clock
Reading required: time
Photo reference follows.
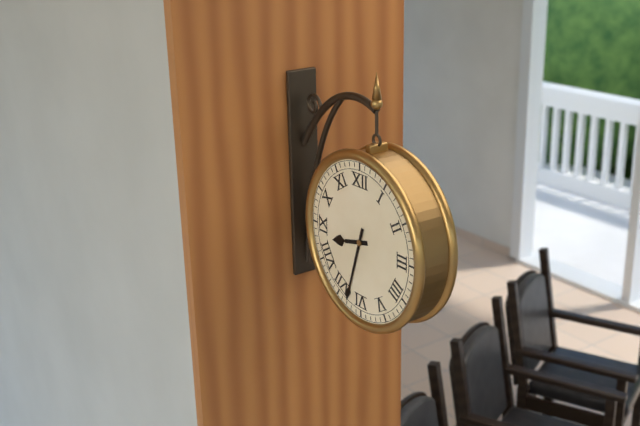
8:33
